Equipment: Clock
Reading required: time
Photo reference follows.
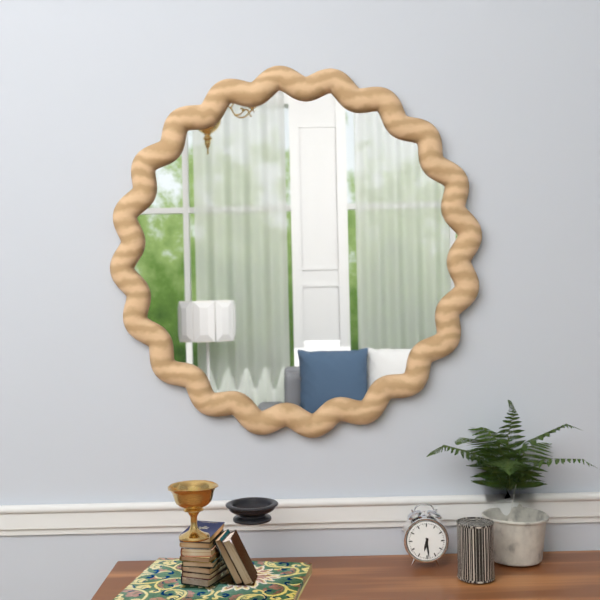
6:29
